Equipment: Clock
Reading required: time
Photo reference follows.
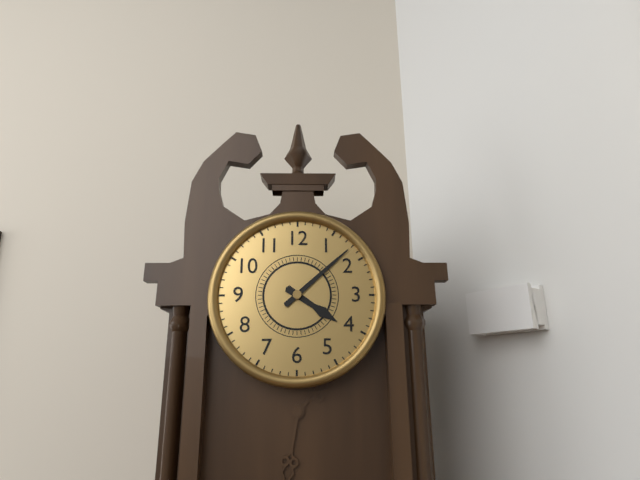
4:08
